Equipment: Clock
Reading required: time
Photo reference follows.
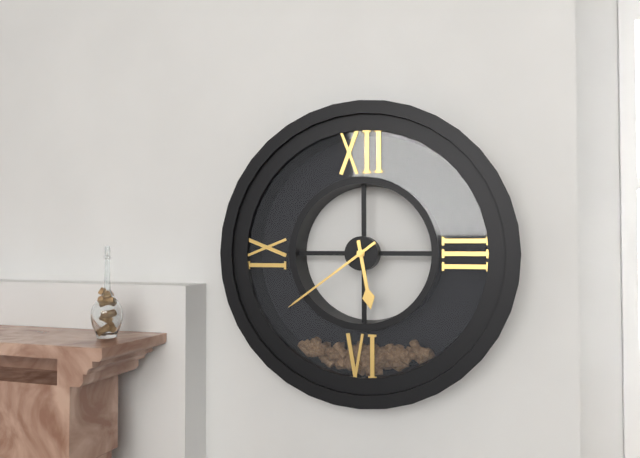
5:39
